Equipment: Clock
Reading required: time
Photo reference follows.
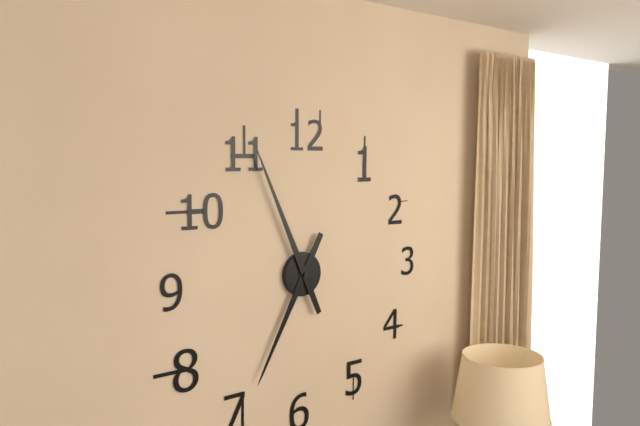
6:56
